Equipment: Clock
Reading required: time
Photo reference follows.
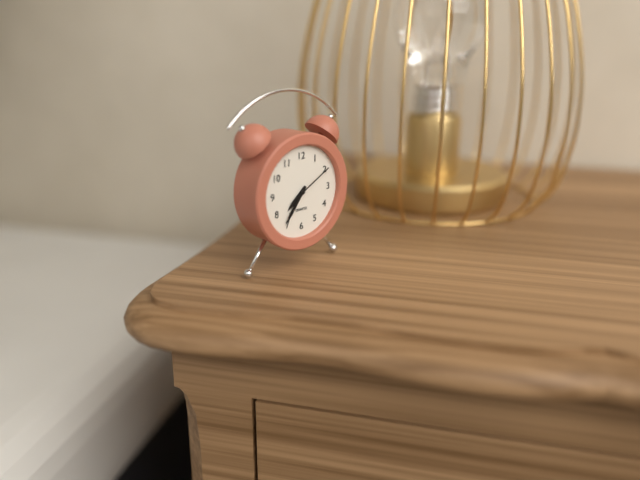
7:36
